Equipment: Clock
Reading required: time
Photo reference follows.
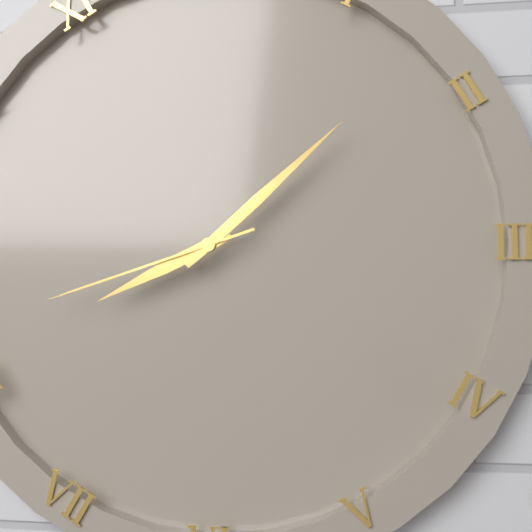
8:08:42
